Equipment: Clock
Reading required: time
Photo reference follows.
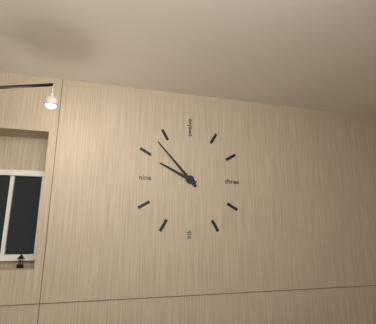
9:53
